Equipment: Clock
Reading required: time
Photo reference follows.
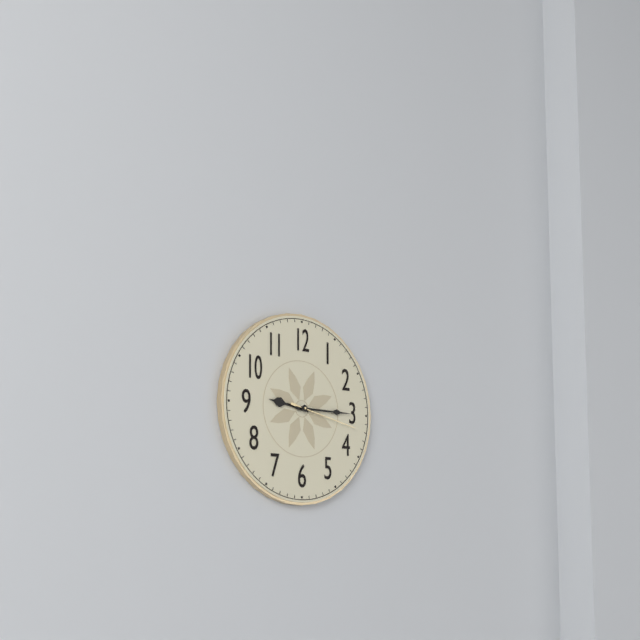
9:15:17
